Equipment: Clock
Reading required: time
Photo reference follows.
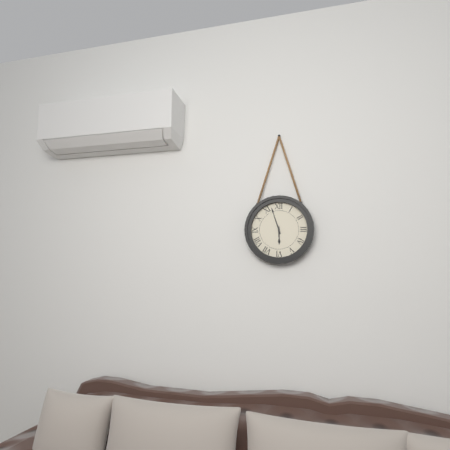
5:57
